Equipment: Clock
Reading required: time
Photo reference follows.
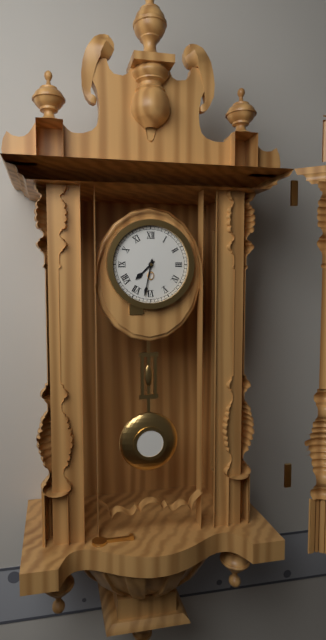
7:32
